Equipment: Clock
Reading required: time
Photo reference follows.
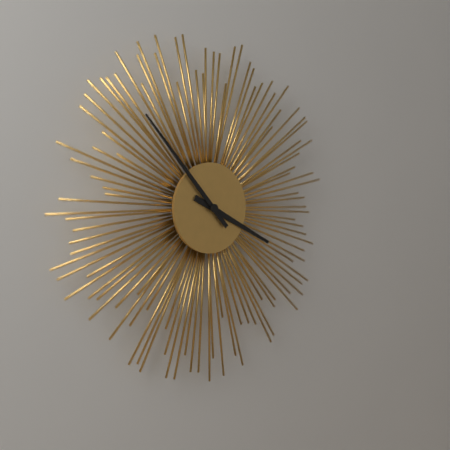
3:53
